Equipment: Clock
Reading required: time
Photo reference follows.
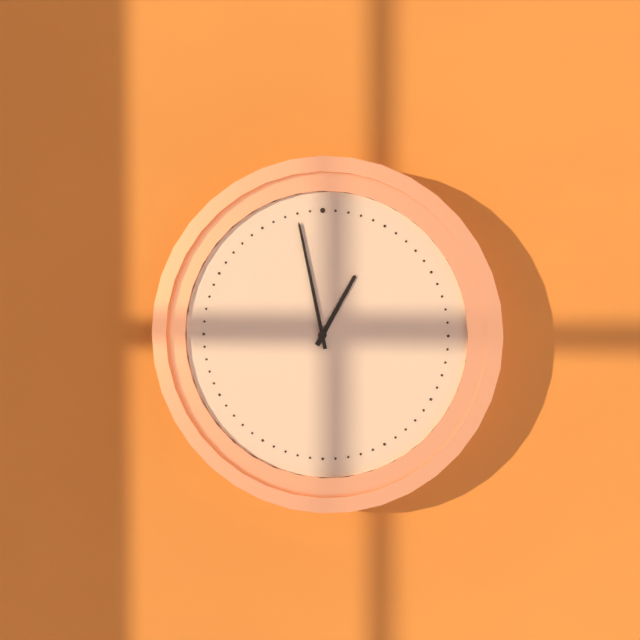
12:58
